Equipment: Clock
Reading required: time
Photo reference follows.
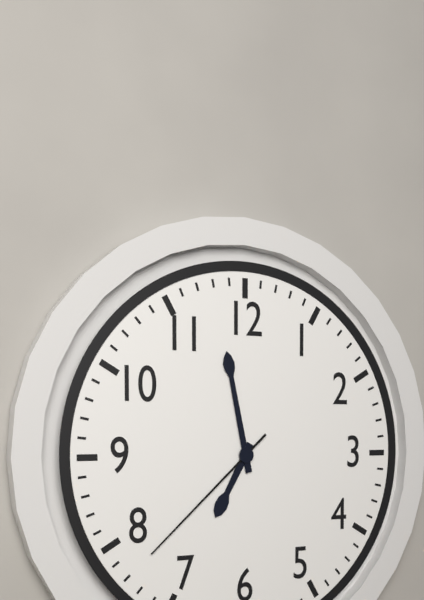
6:58:38
